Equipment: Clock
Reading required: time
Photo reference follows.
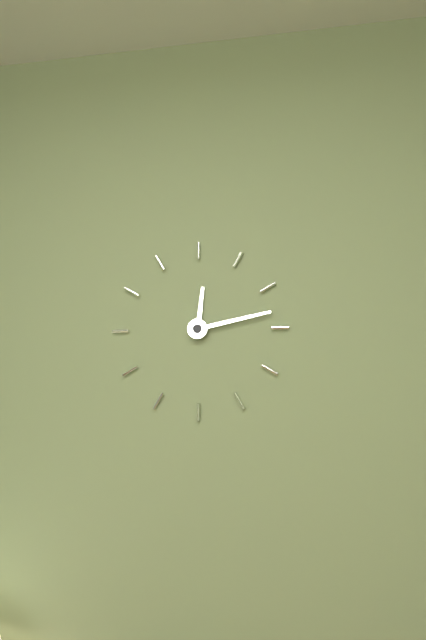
12:13
